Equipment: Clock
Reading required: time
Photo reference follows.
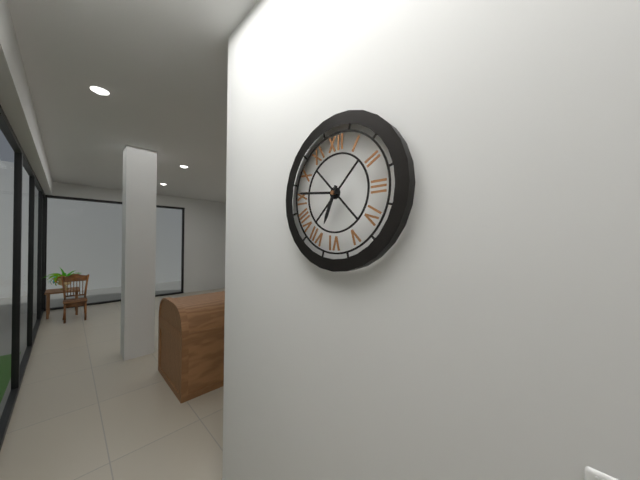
6:46
